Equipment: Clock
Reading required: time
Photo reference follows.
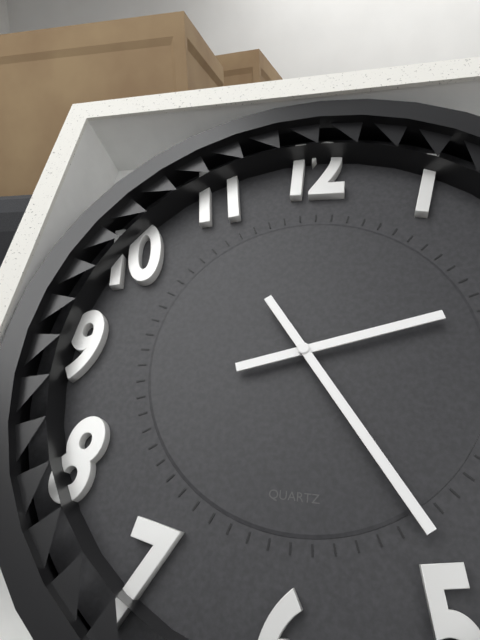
2:24
